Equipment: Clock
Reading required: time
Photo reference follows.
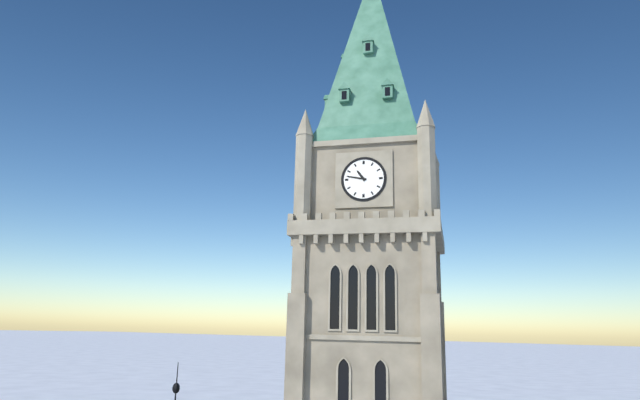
10:47
